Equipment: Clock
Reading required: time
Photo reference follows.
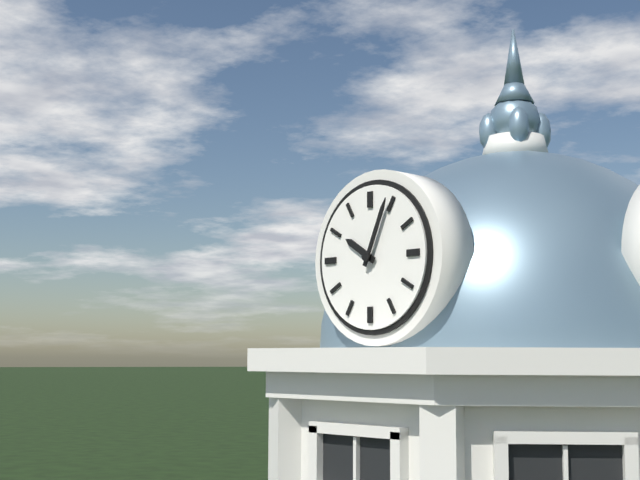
10:04
